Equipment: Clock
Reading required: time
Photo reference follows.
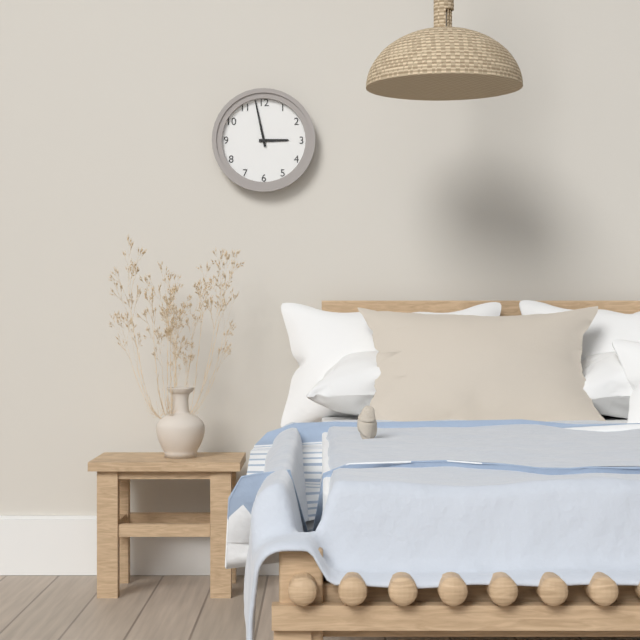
2:58
